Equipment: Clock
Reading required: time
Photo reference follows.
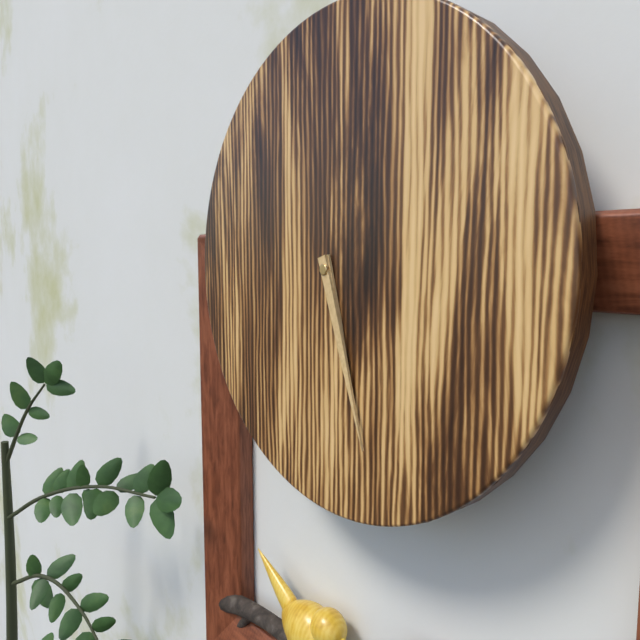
5:27
